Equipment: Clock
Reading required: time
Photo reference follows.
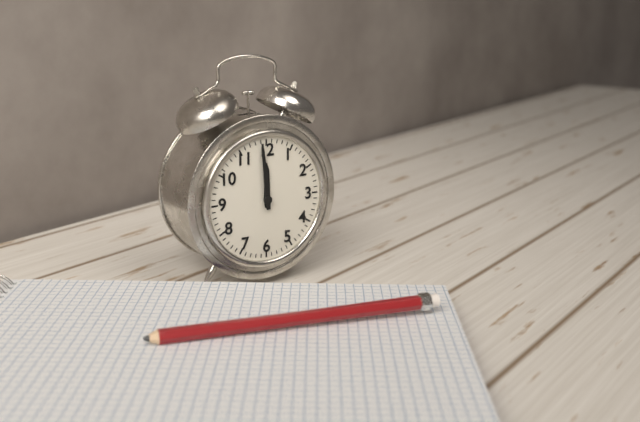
11:59
